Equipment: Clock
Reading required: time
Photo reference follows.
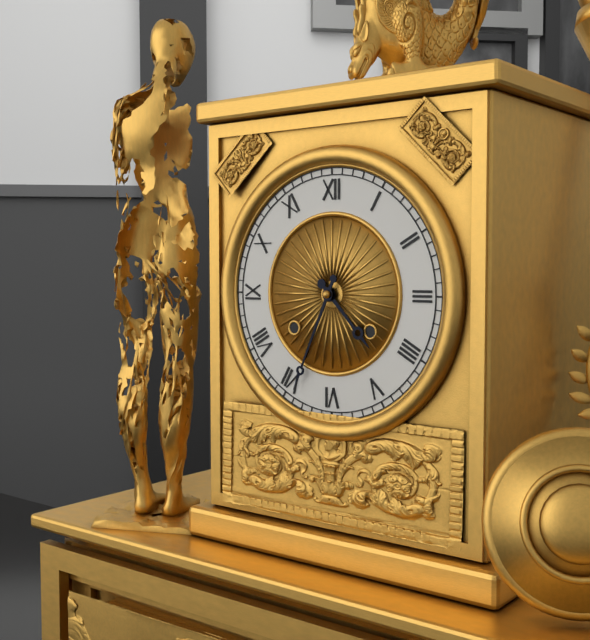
4:34
